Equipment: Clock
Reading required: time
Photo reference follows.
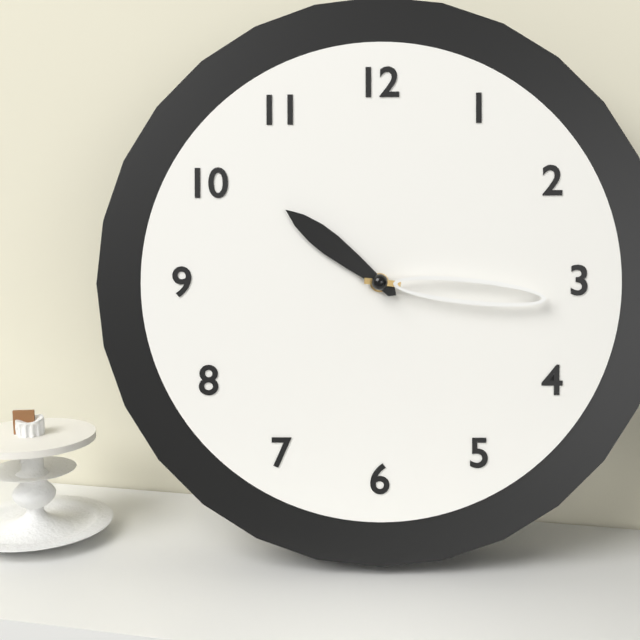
10:16
